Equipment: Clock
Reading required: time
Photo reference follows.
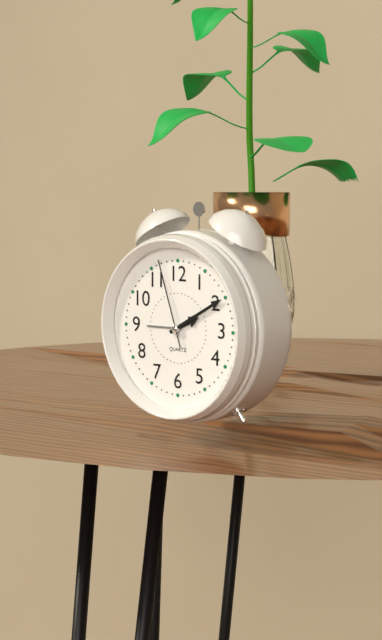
2:10:57
